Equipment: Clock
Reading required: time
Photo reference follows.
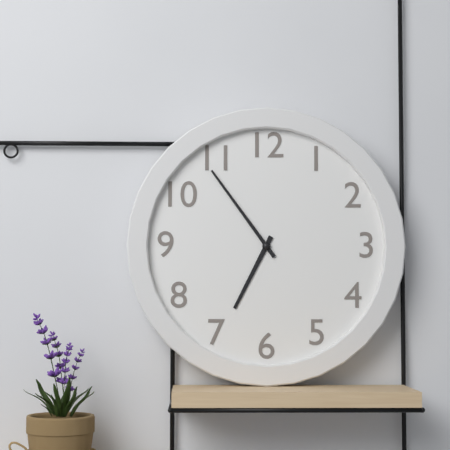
6:54
